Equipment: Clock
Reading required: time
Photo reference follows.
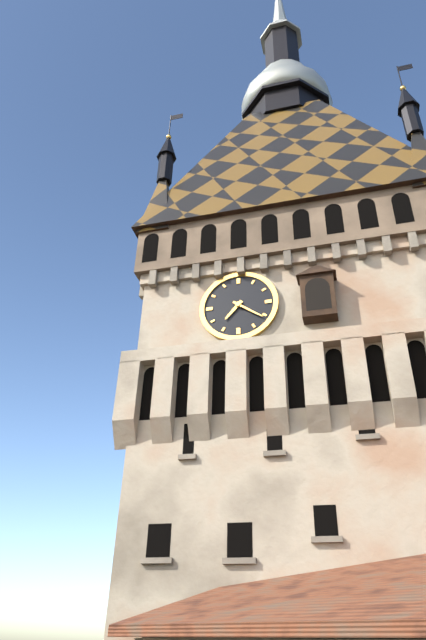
7:21
